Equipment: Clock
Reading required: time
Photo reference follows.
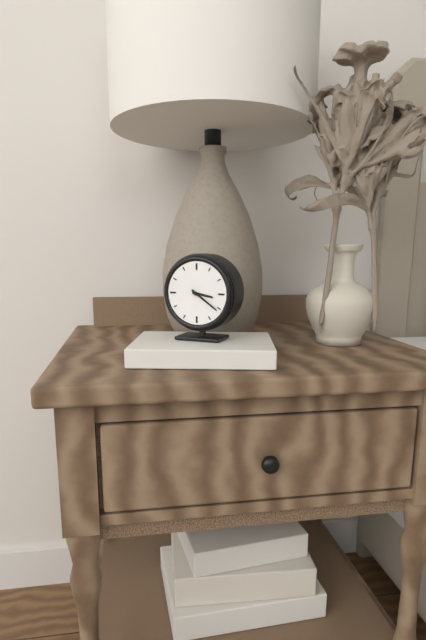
3:21
